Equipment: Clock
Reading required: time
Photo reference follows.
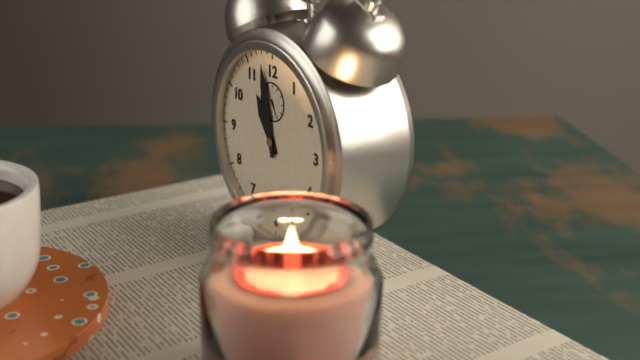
10:58
